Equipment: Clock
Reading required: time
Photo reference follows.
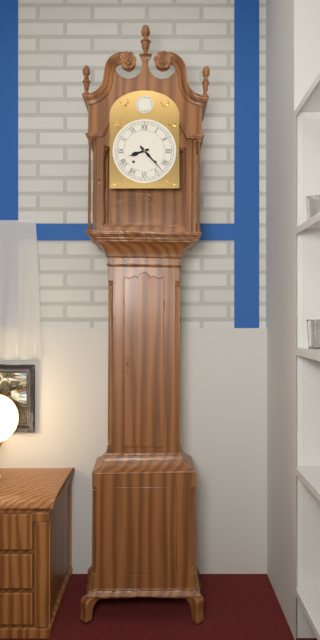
8:23
